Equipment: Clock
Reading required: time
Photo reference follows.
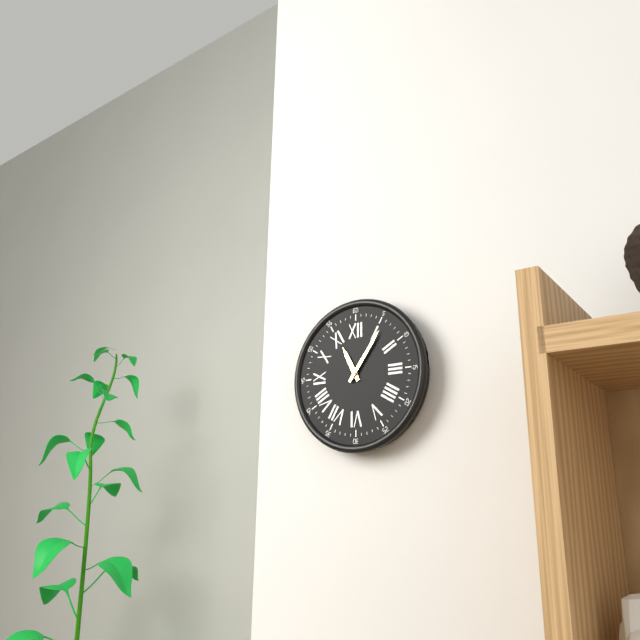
11:06
